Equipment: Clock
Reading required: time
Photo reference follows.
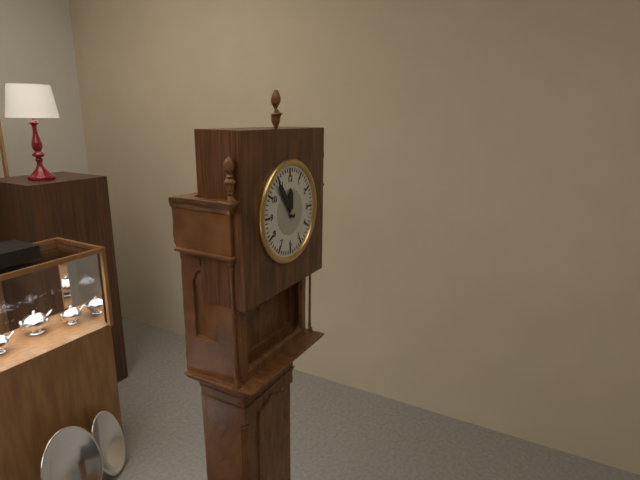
11:54
